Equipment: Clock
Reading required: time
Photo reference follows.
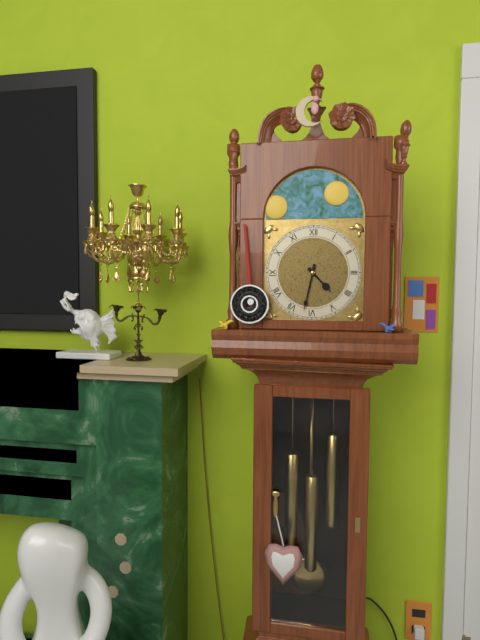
4:32
